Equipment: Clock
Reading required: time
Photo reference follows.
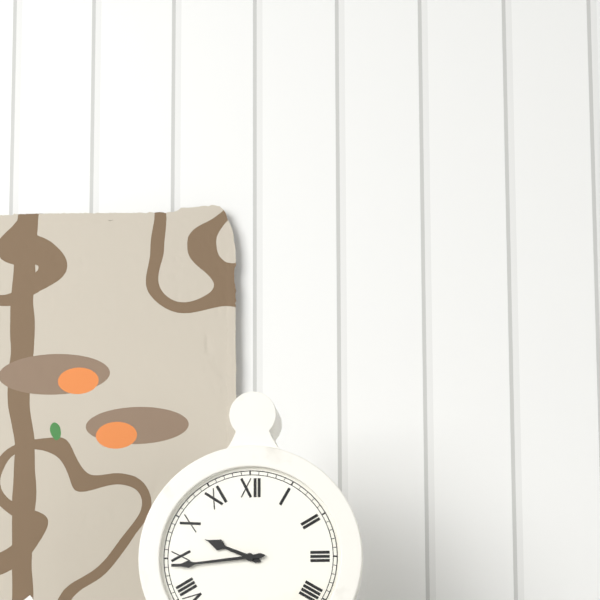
9:44
